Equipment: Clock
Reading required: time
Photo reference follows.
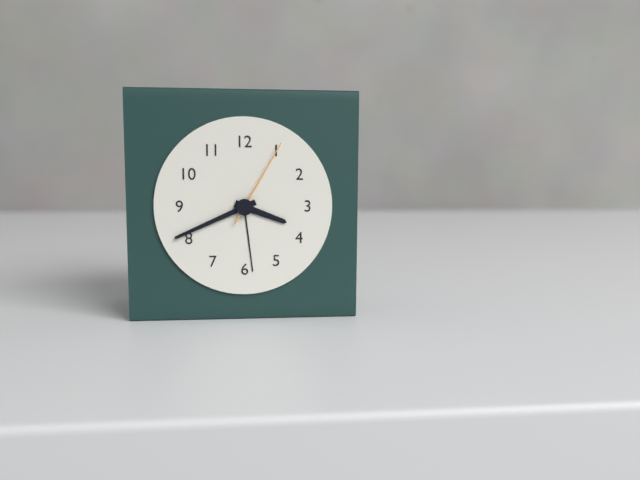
3:41:05
